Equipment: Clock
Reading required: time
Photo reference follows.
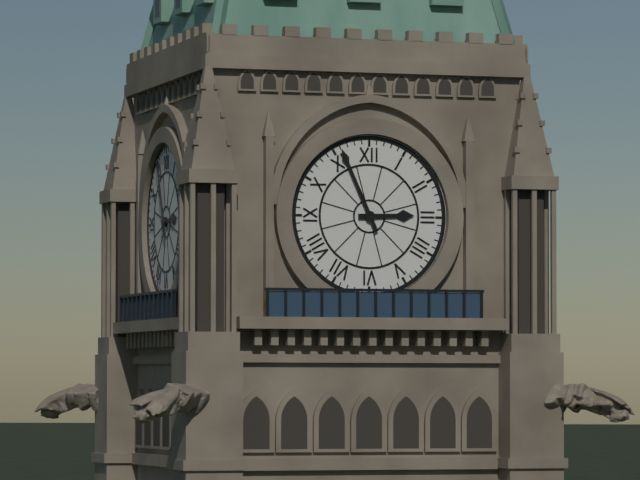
2:56
